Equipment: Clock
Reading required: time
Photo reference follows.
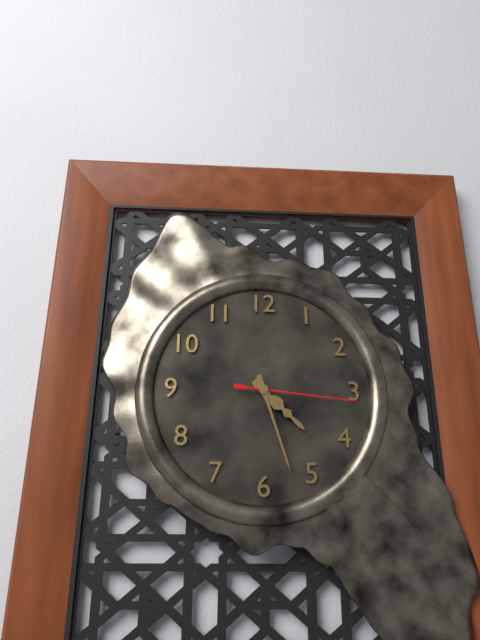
4:27:16
